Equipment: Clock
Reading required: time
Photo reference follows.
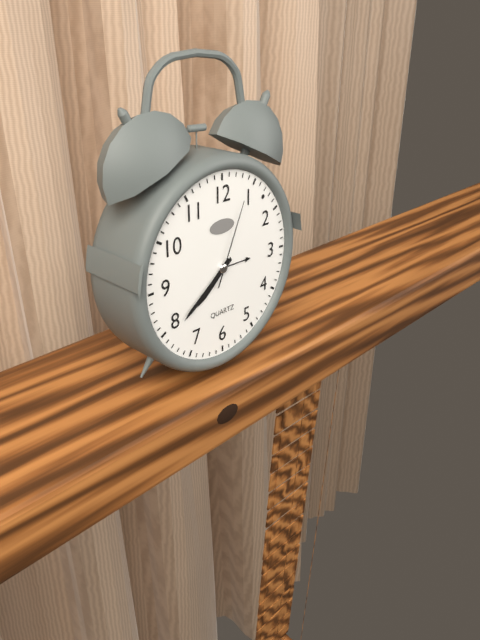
7:39:04
